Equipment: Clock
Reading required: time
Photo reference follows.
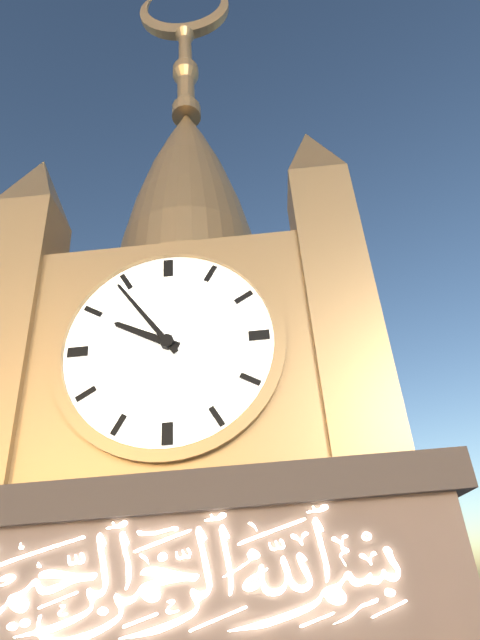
9:54
